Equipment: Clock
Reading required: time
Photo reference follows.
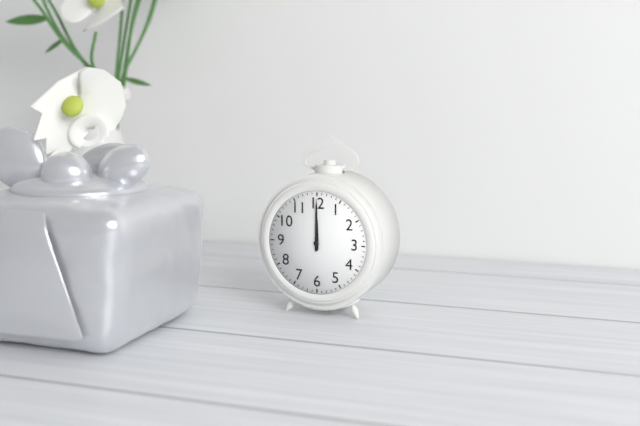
12:00
